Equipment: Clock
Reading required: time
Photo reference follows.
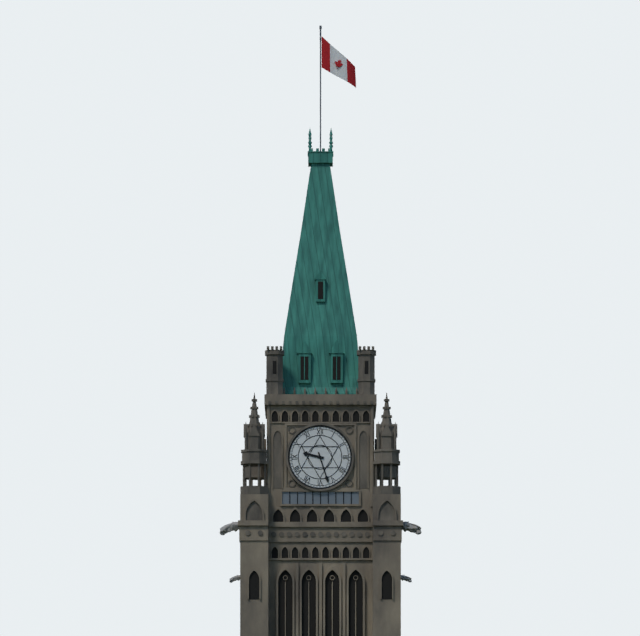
9:27
